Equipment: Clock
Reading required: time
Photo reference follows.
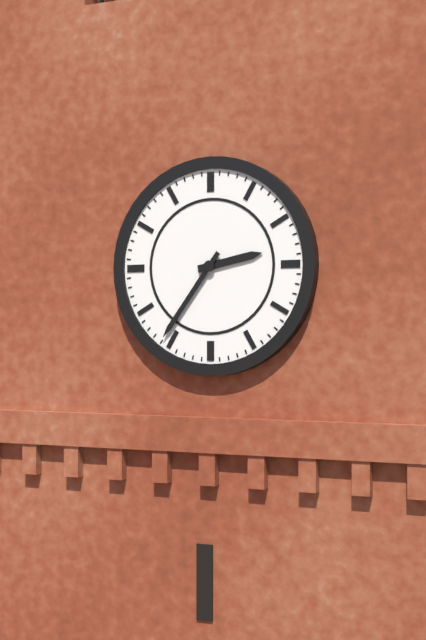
2:36
